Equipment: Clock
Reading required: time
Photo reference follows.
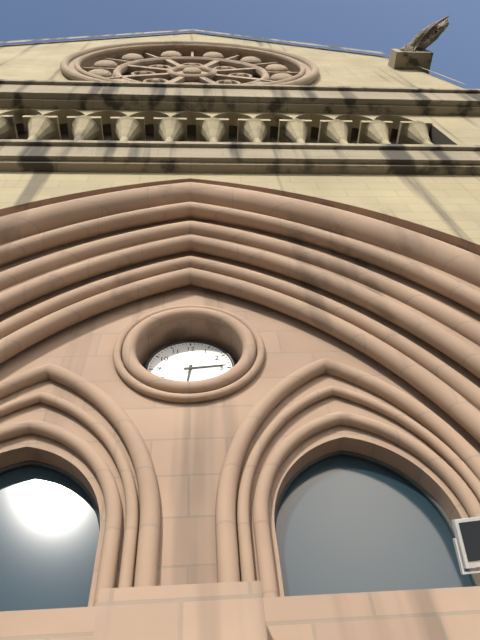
6:14
